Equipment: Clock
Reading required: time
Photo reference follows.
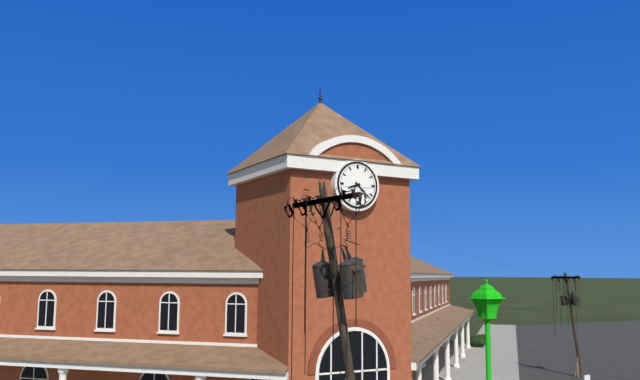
8:22
